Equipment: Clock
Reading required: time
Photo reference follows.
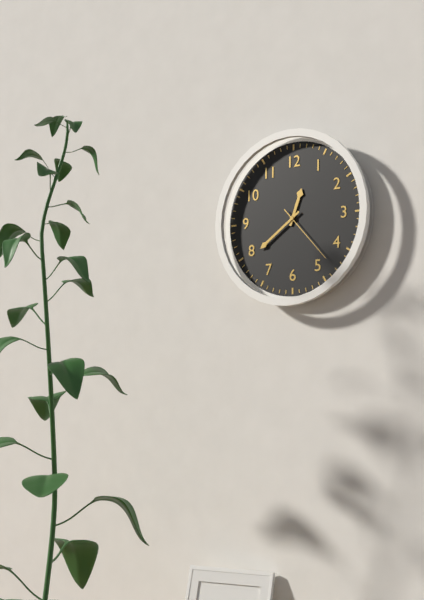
12:39:23
